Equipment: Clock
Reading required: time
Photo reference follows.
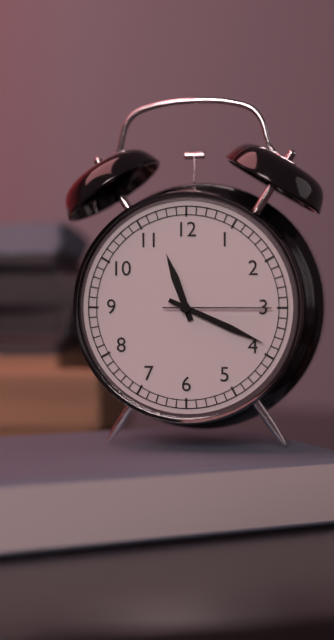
11:19:15
